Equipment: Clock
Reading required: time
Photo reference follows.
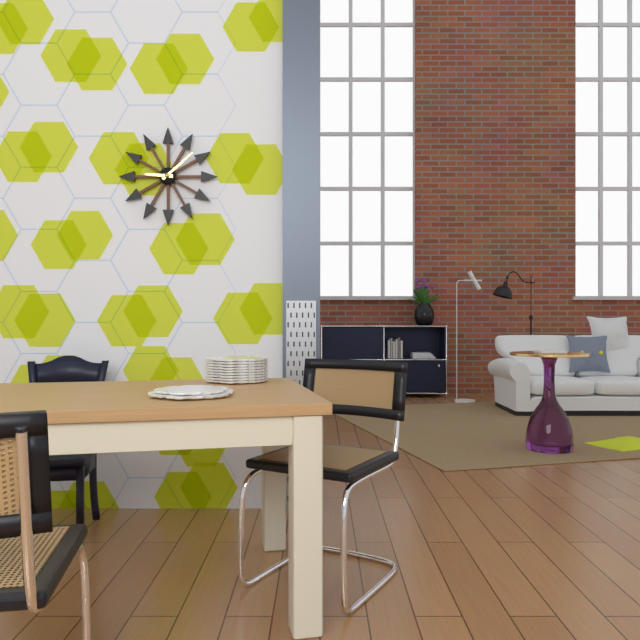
9:08
